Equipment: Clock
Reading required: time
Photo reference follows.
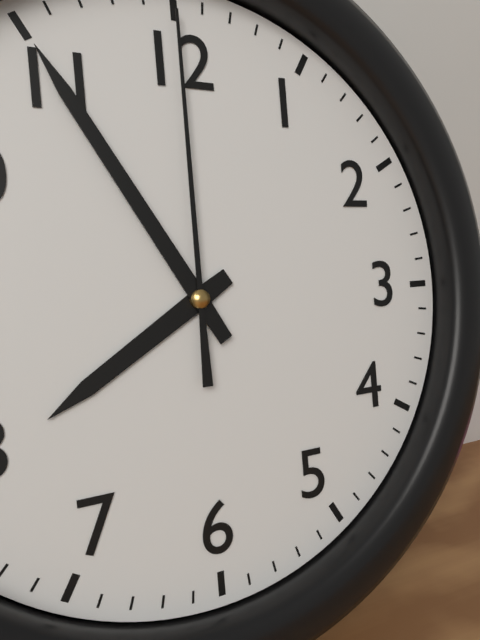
7:55:00
